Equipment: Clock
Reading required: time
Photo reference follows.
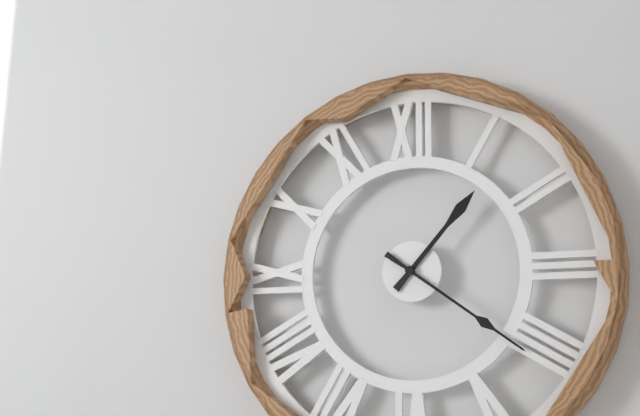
1:21
